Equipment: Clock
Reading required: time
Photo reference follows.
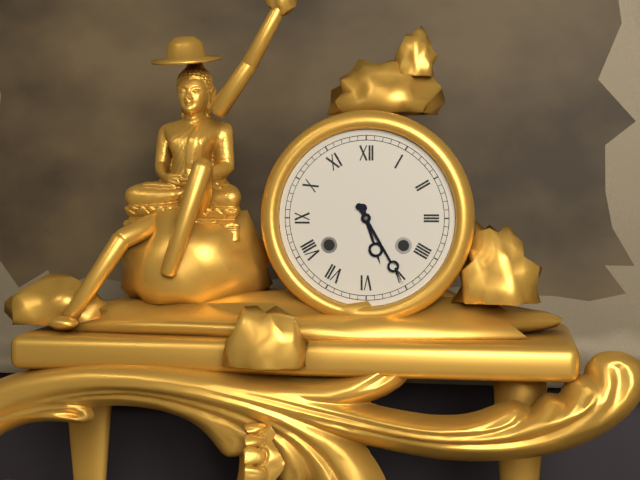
5:25
